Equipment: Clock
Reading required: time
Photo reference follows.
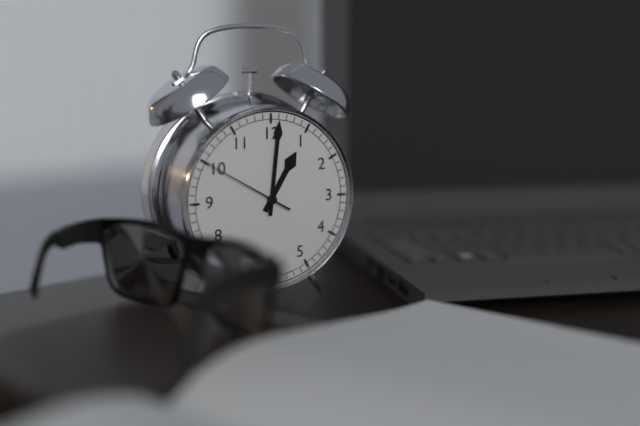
1:01:50
